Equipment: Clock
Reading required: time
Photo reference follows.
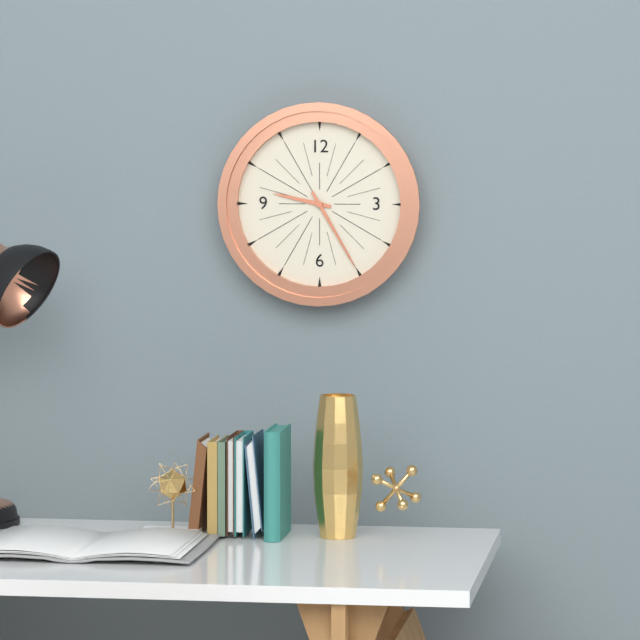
9:25
